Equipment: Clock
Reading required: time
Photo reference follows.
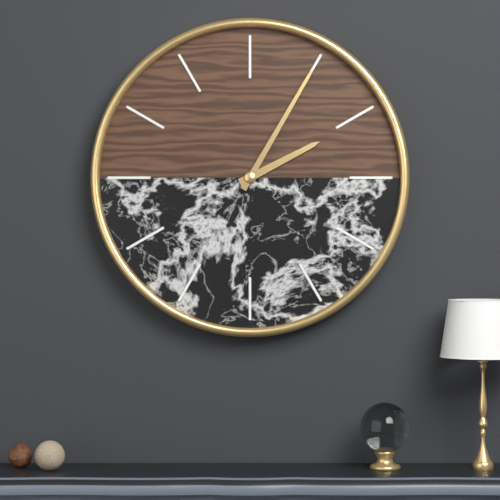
2:05
